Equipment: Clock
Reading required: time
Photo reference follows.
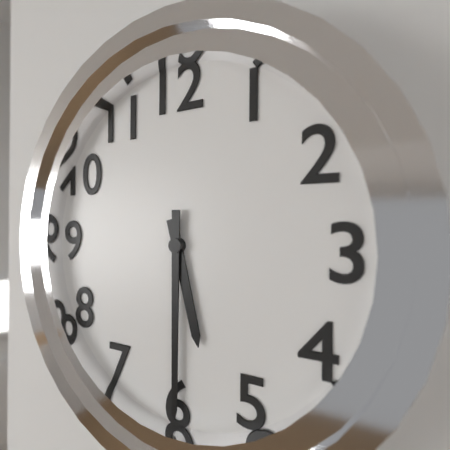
5:30
